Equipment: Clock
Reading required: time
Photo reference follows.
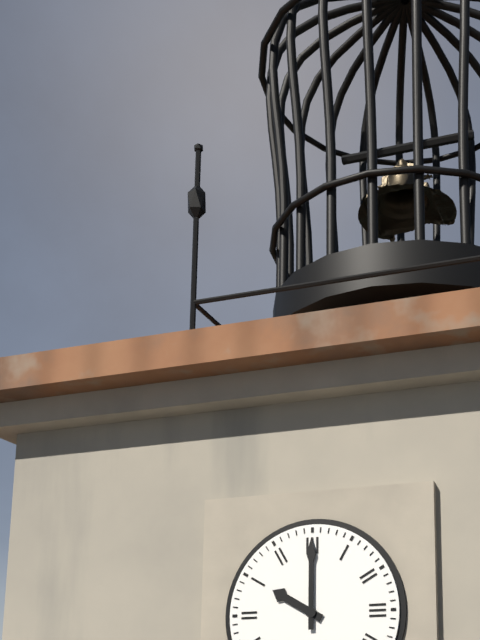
10:00
